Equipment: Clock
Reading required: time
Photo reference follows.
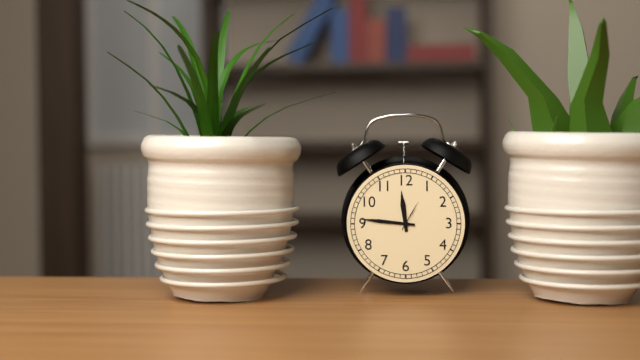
11:46
